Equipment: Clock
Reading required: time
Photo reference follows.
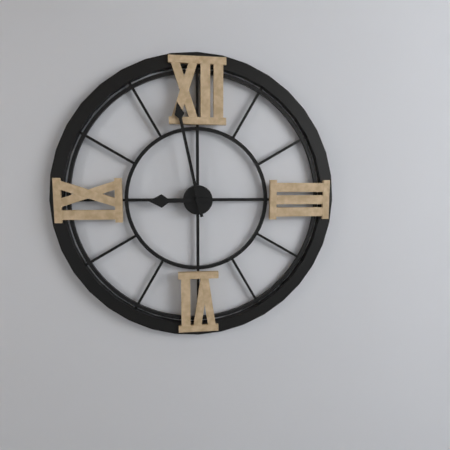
8:58
